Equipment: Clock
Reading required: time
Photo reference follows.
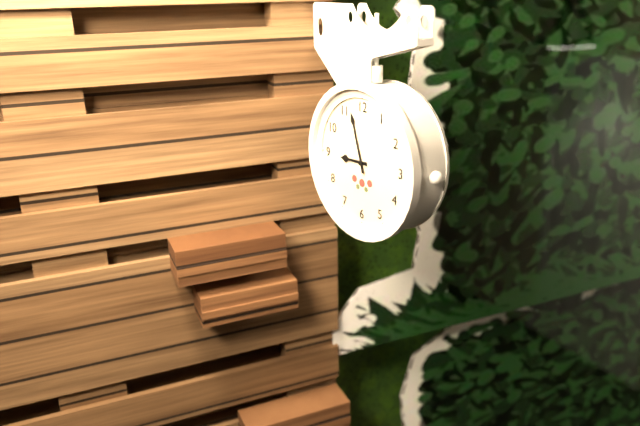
8:57
